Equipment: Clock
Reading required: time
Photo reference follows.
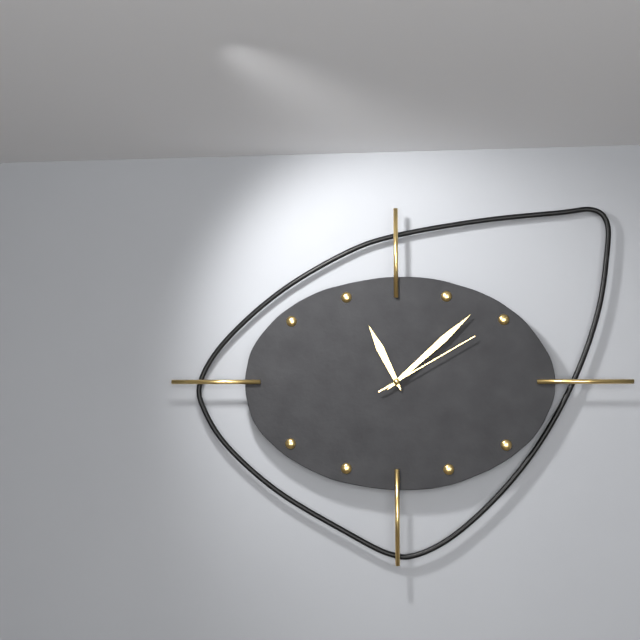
11:08:10
